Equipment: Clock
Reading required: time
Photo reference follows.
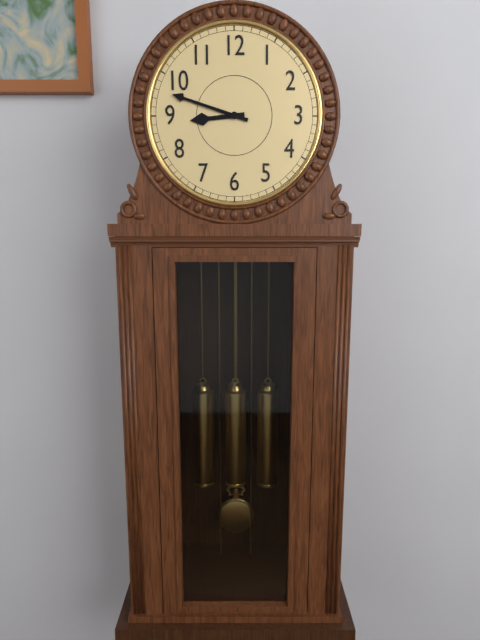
8:48
